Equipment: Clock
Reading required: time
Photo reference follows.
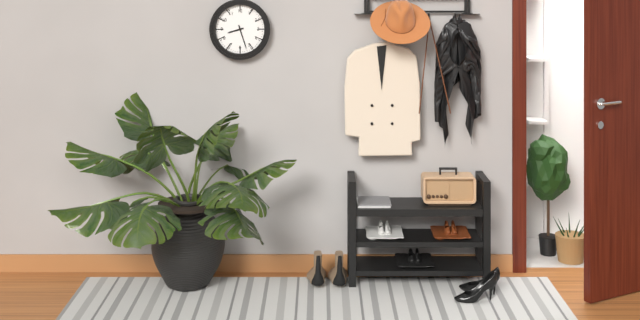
8:27
